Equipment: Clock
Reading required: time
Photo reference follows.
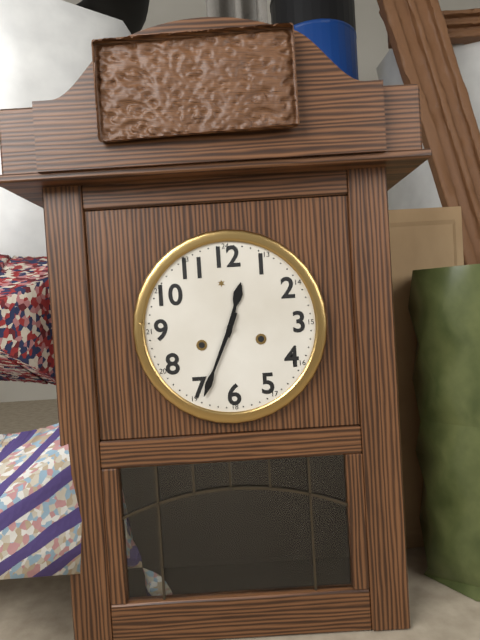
12:34
